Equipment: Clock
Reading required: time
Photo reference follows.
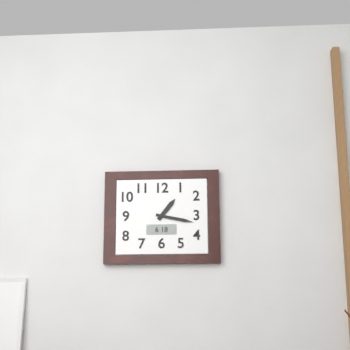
1:17
